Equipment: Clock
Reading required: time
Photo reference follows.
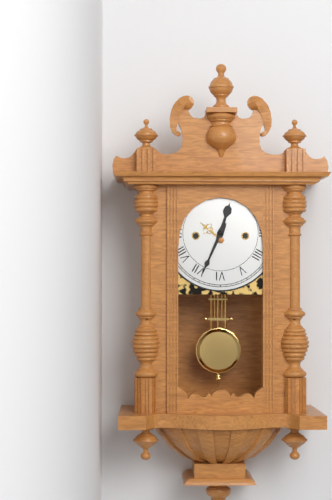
12:34
